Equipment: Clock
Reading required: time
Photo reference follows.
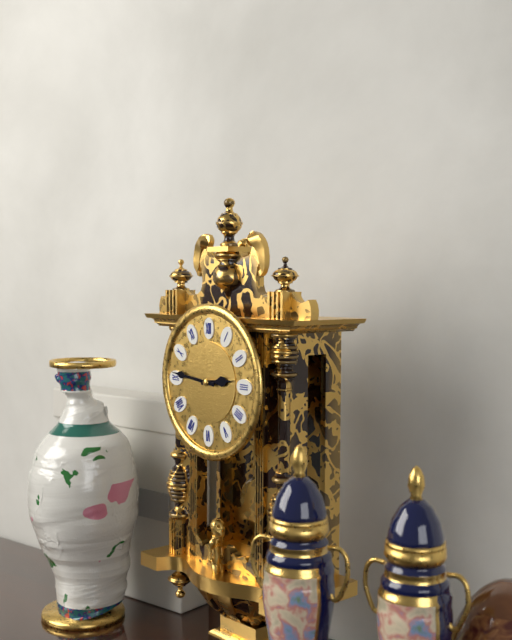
2:46
